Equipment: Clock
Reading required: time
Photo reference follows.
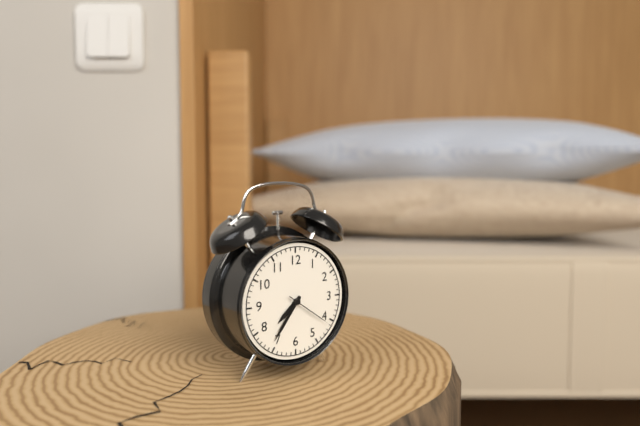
7:36
